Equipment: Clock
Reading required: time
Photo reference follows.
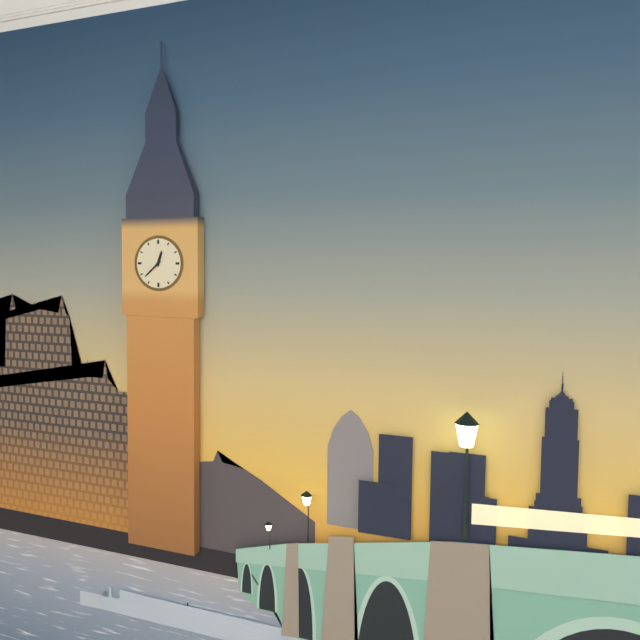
12:38
